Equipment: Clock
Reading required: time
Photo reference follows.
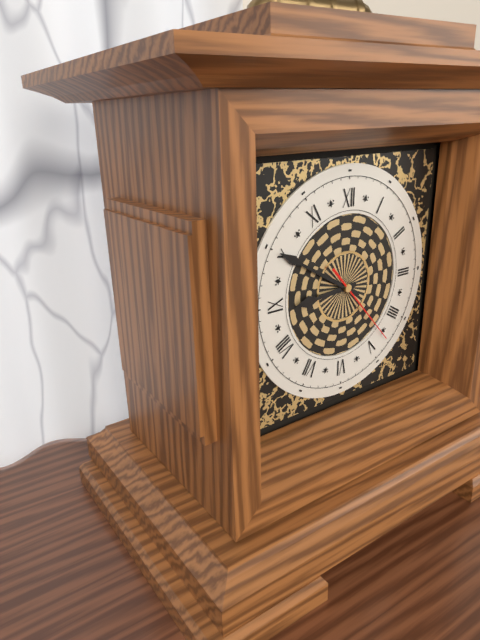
8:50:23
